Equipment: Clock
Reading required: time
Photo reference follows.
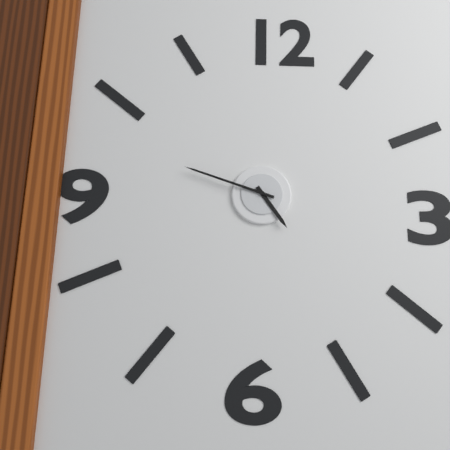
4:48
